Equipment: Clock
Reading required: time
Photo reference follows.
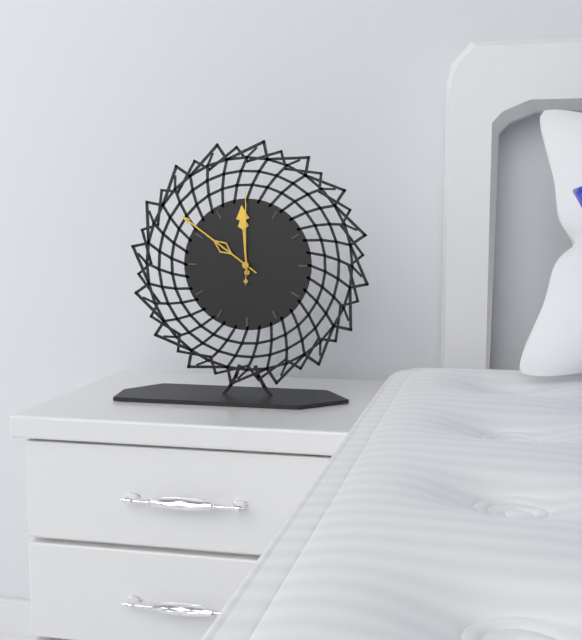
11:51:00
